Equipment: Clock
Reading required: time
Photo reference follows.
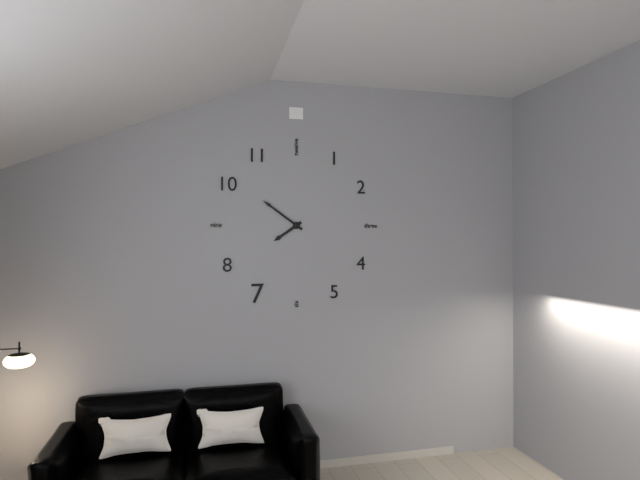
7:51
